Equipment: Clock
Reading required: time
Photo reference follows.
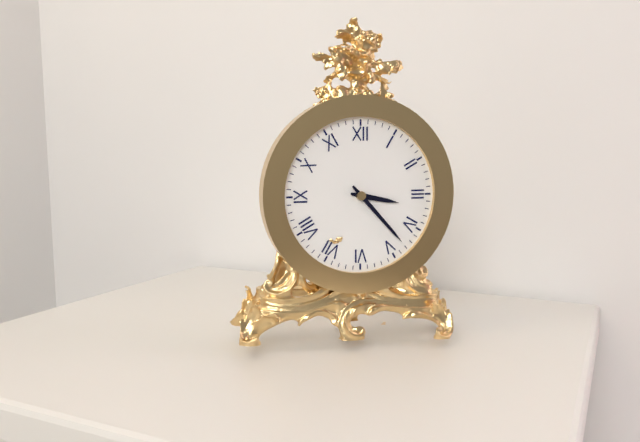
3:23
